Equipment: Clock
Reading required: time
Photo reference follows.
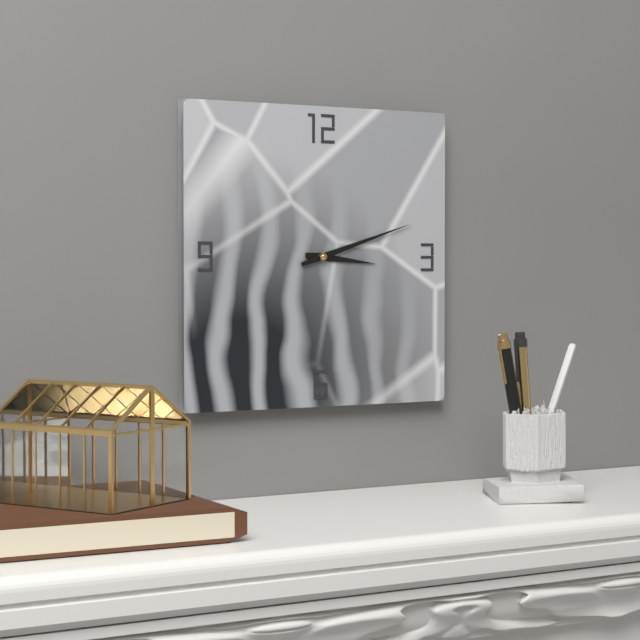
3:12
